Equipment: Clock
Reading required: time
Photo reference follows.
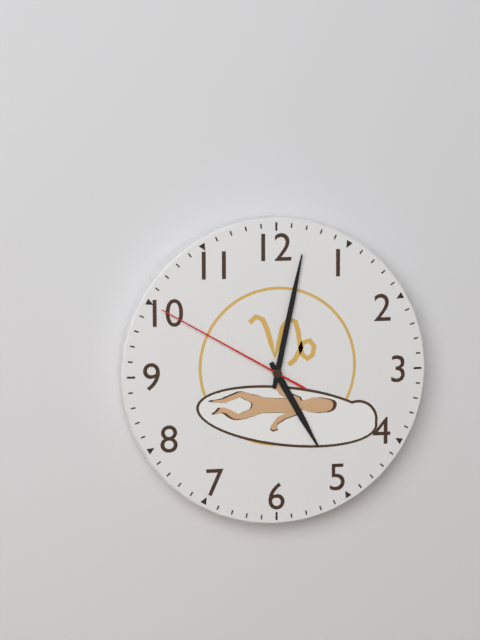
5:02:50
